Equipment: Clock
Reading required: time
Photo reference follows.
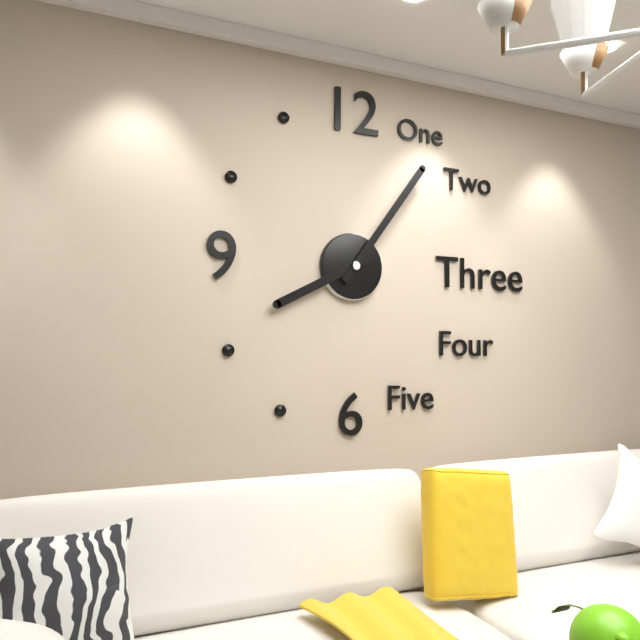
8:06
